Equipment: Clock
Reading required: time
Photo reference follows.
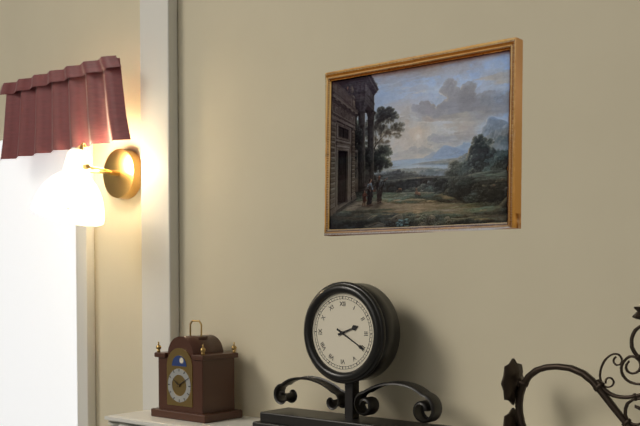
2:20
